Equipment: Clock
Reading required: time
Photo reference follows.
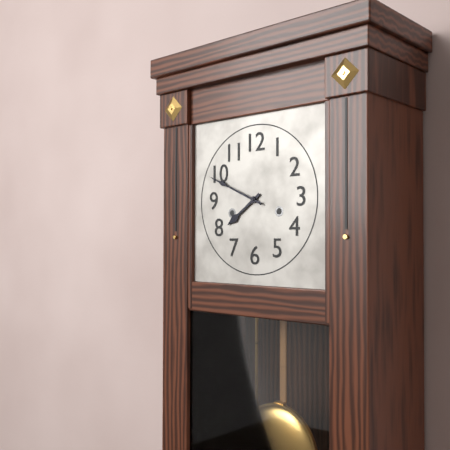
7:49
